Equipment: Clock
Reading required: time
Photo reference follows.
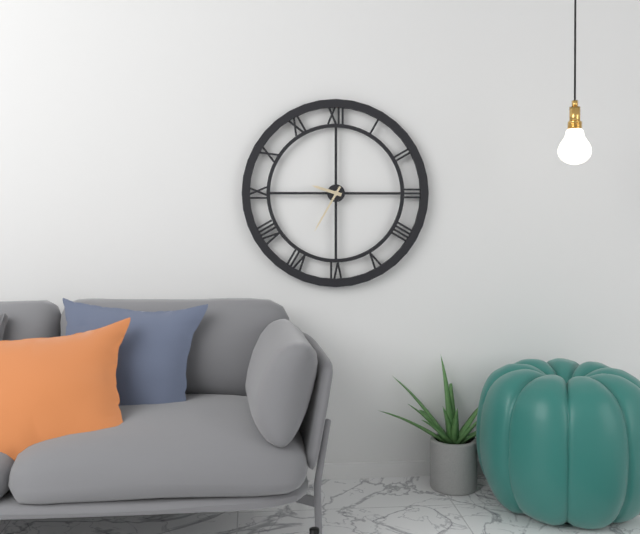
9:35
